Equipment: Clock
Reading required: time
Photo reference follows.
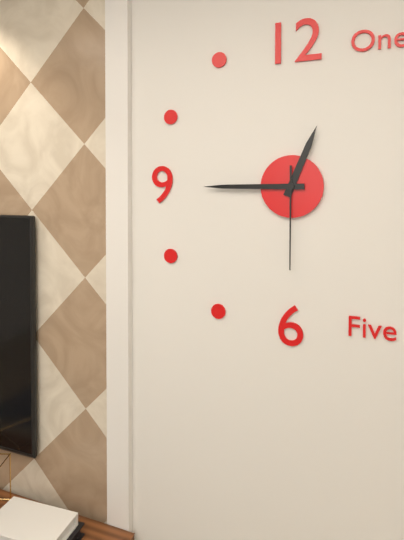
12:45:30
